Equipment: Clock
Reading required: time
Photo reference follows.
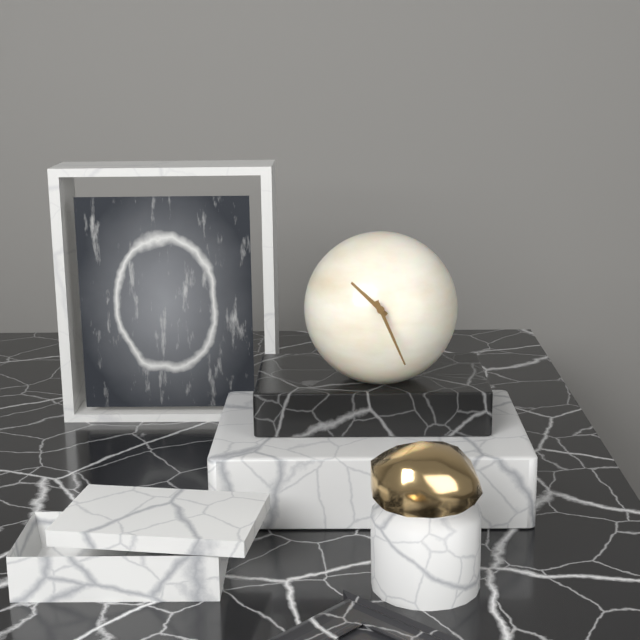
10:26
